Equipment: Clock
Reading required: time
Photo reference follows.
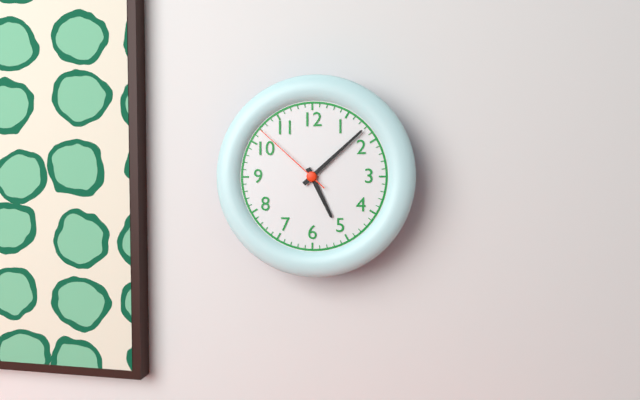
5:08:52
